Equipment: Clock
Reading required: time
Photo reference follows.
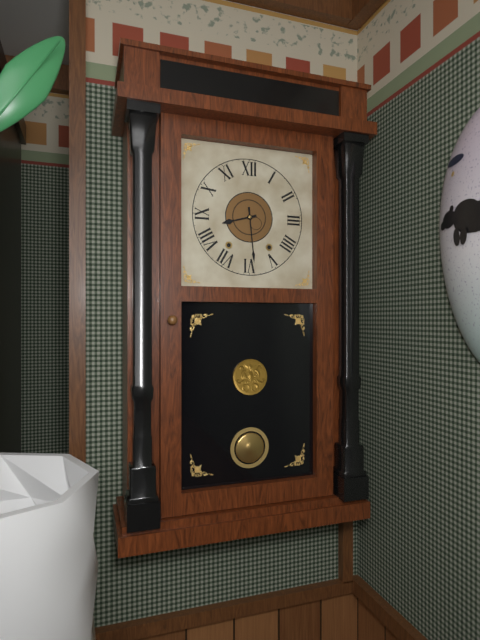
8:29
